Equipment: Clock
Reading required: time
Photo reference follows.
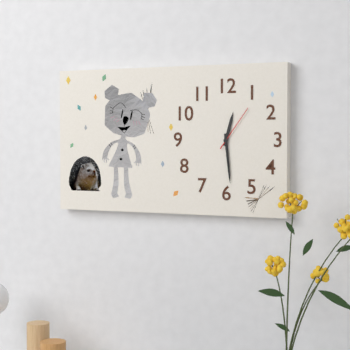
12:29
